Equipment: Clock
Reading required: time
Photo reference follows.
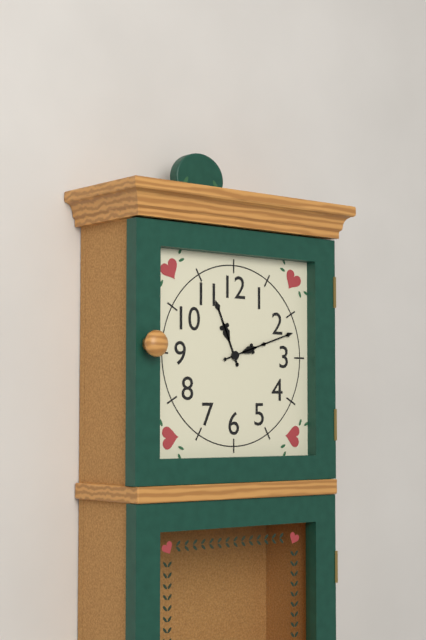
11:12
